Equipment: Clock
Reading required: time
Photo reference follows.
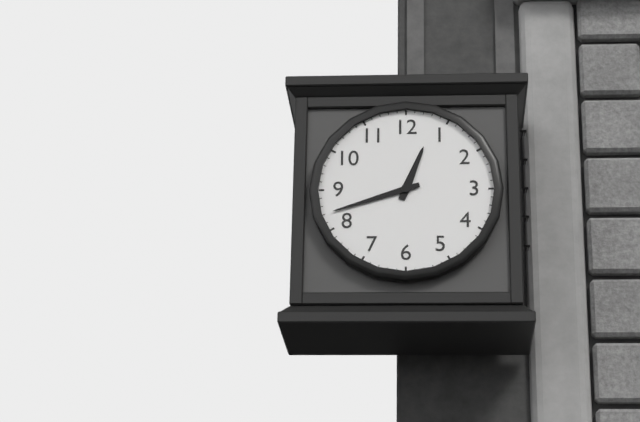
12:42
